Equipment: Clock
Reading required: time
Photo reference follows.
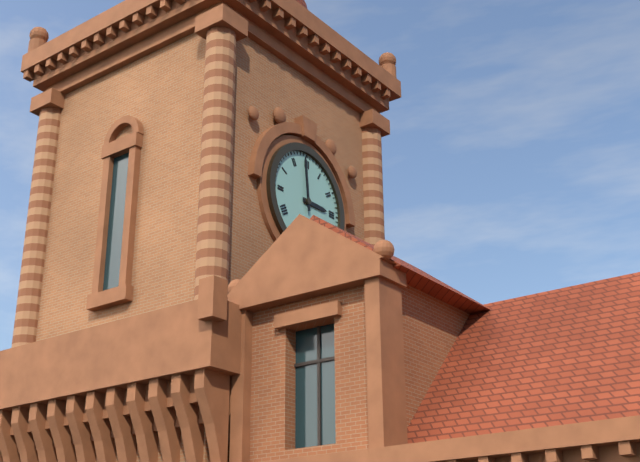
2:59
